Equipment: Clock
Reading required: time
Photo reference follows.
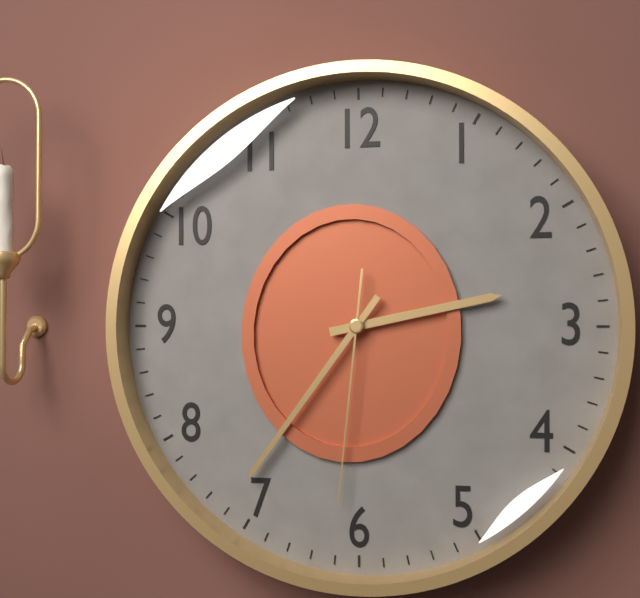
2:36:31
